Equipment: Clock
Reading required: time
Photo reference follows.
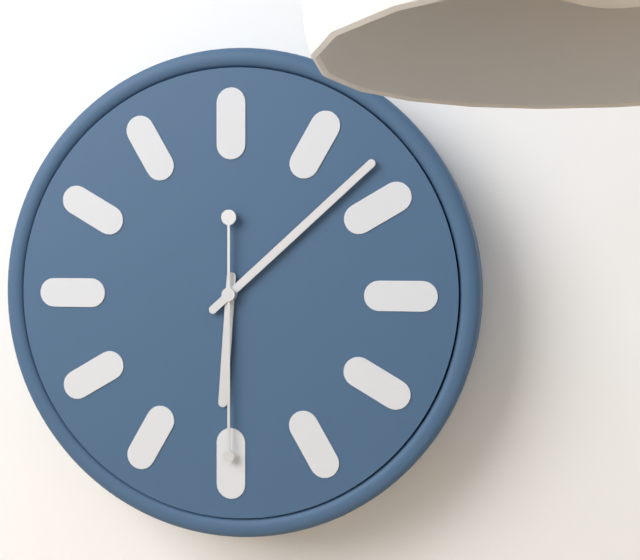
6:08:30
